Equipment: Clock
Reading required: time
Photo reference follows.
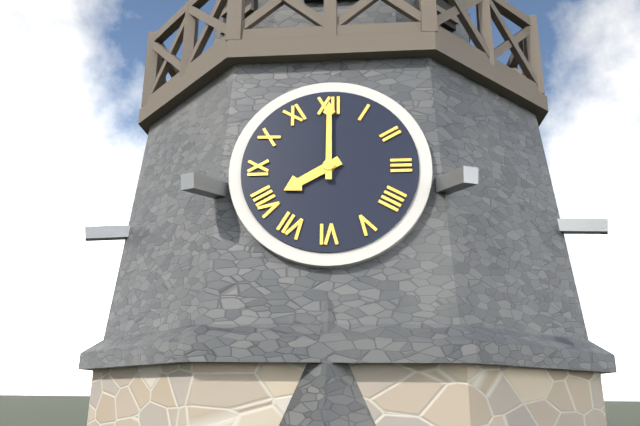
8:00
